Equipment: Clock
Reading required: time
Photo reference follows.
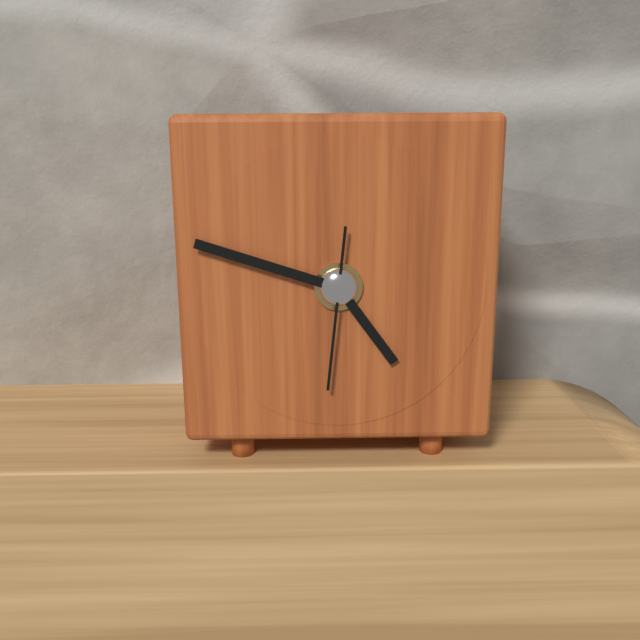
4:48:31
